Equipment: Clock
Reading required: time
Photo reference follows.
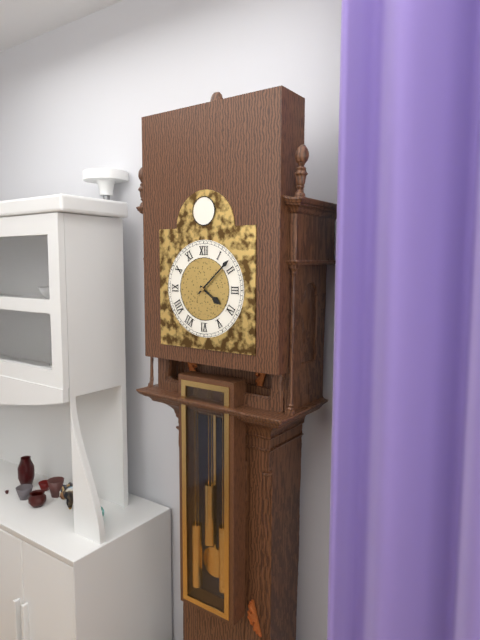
4:08
